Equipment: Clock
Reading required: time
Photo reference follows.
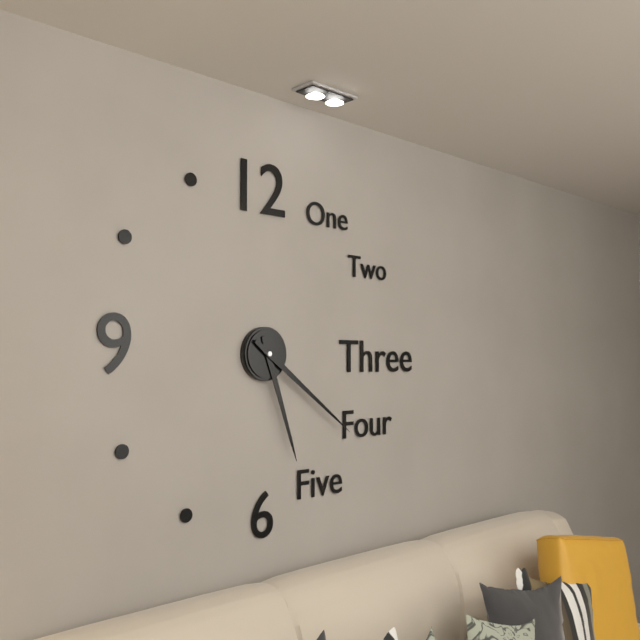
5:21
